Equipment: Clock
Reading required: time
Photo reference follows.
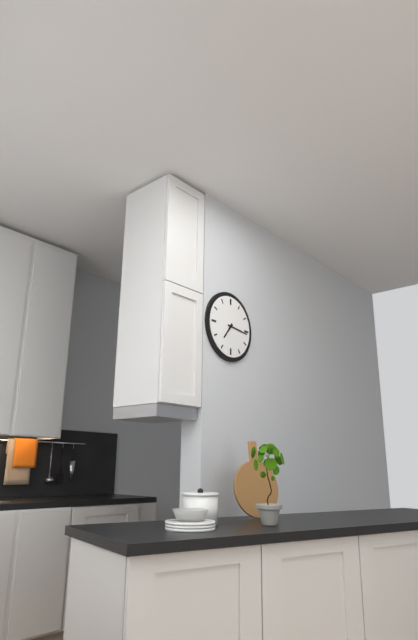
7:16
